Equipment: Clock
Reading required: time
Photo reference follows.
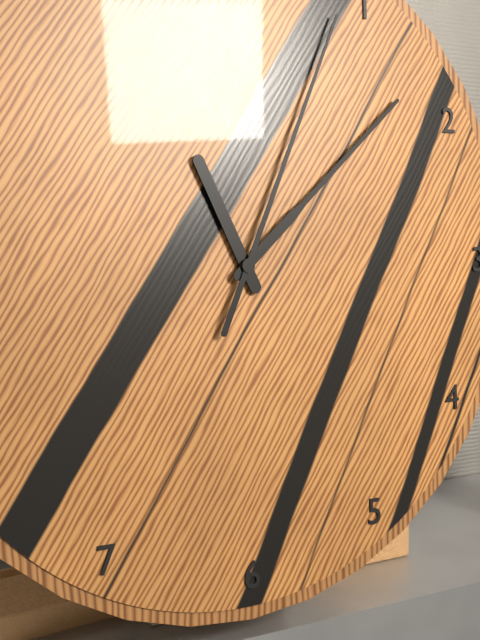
11:08:04
